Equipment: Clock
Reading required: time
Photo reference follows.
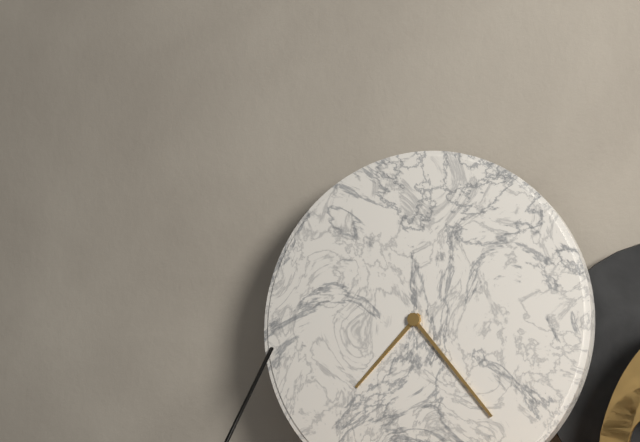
7:23
